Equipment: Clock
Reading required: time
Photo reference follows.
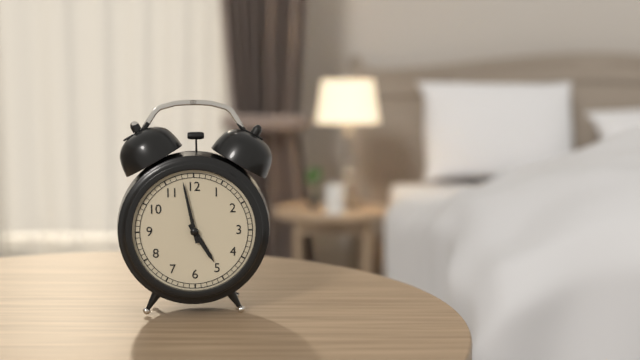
4:58
